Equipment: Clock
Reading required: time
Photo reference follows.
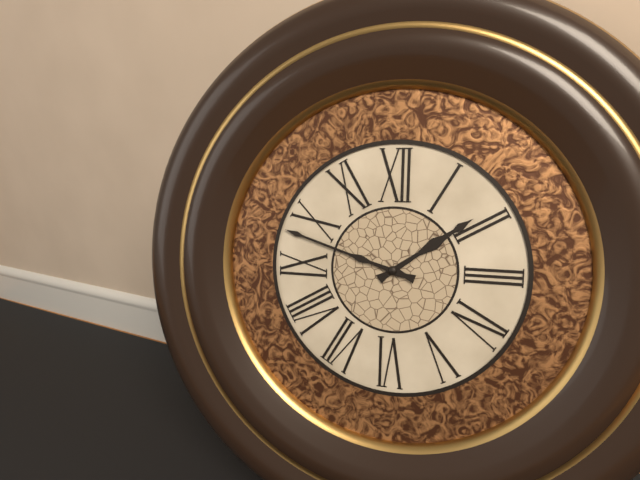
1:48
